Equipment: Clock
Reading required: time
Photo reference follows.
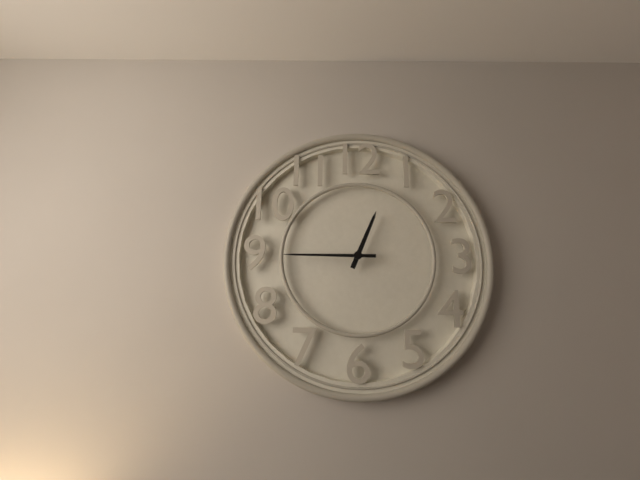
12:45
